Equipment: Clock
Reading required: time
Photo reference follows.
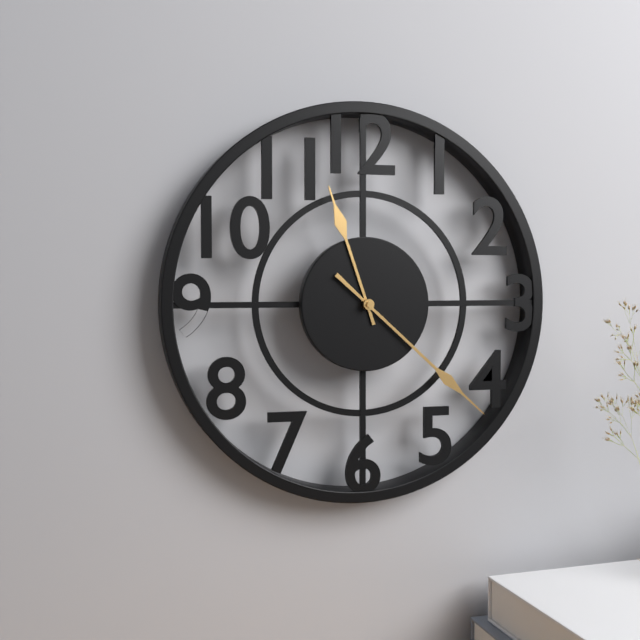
11:22
